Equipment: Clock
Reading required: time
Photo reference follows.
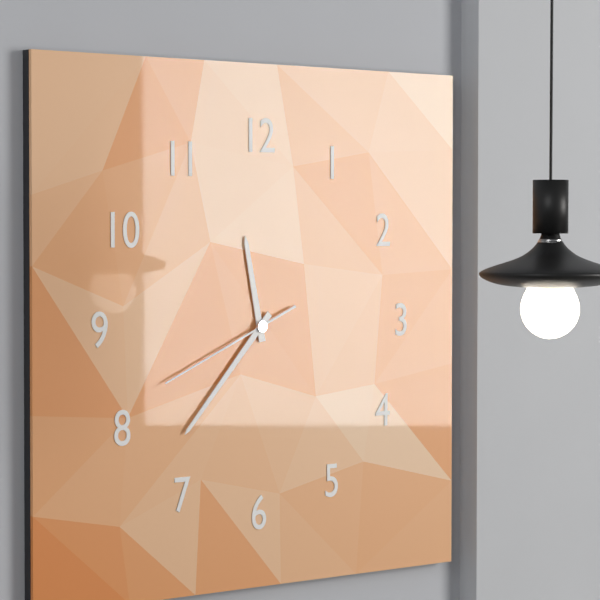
11:37:41
